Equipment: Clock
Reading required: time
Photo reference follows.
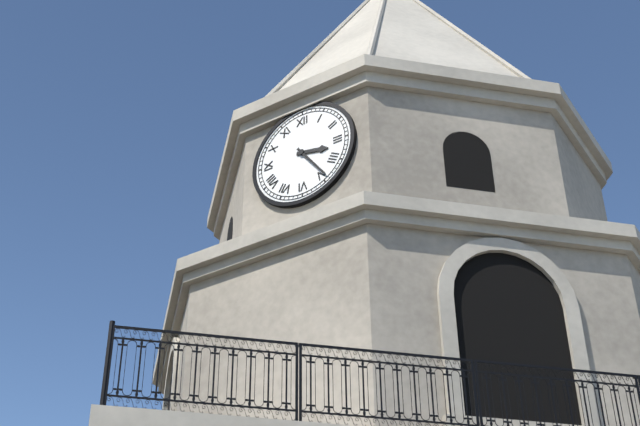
3:24
